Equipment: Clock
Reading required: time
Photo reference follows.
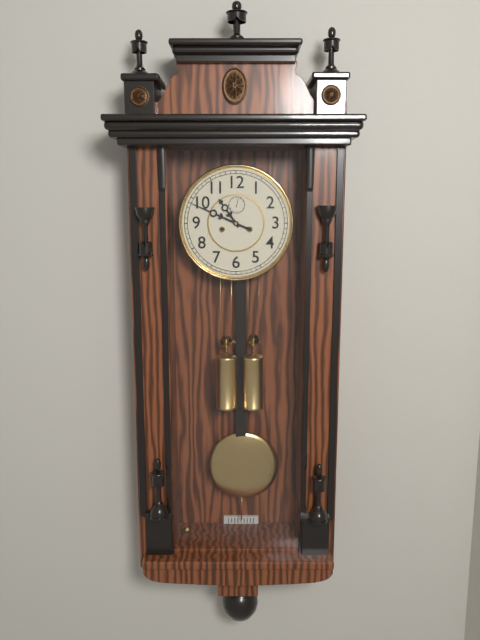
10:49
